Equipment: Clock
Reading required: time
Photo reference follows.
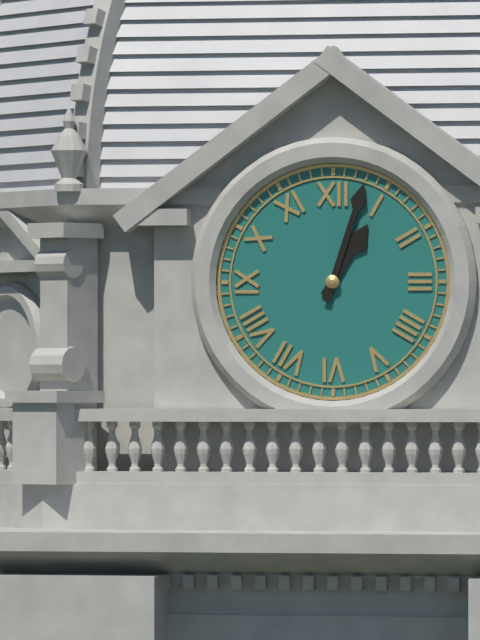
1:03
